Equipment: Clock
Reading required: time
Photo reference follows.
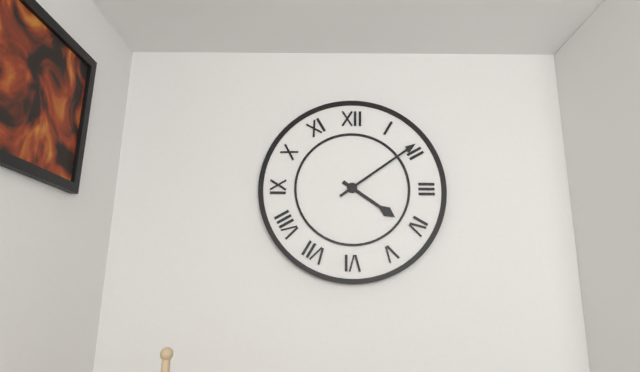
4:09
